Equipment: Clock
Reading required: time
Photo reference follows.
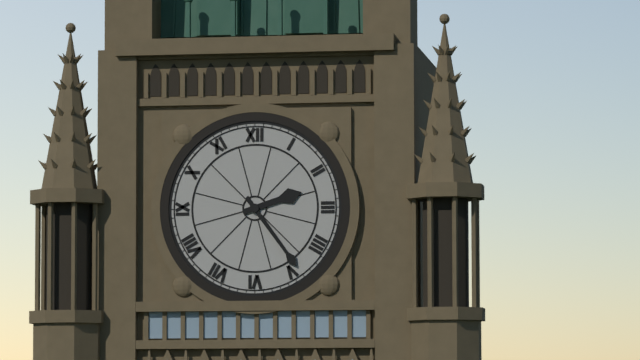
2:24
